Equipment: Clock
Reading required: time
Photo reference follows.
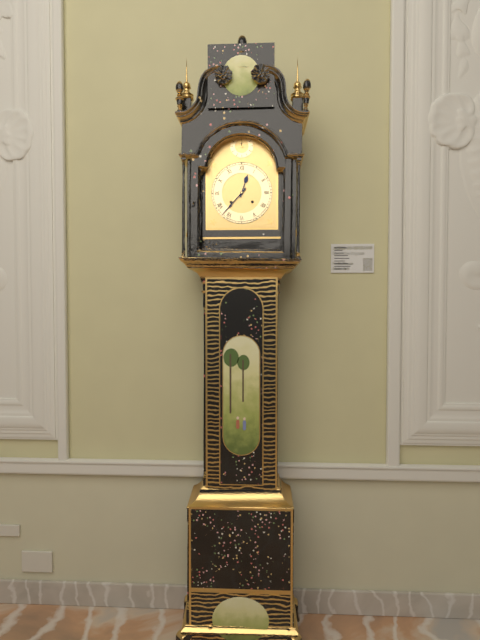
12:37
